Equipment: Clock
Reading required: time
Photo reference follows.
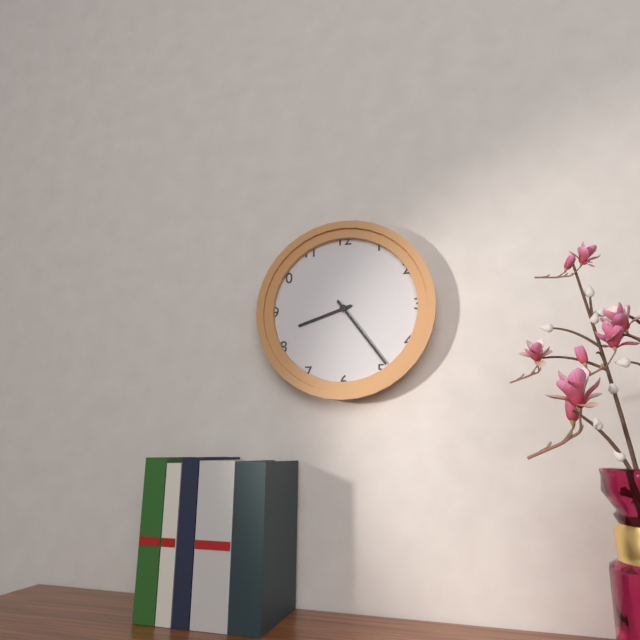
8:24
